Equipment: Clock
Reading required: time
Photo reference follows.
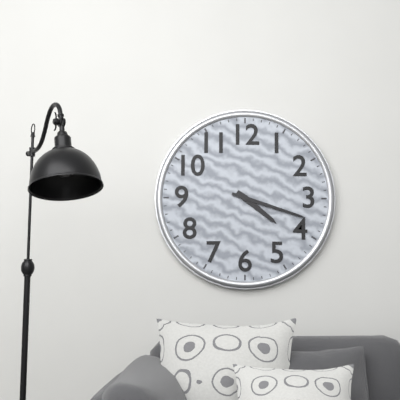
4:18
